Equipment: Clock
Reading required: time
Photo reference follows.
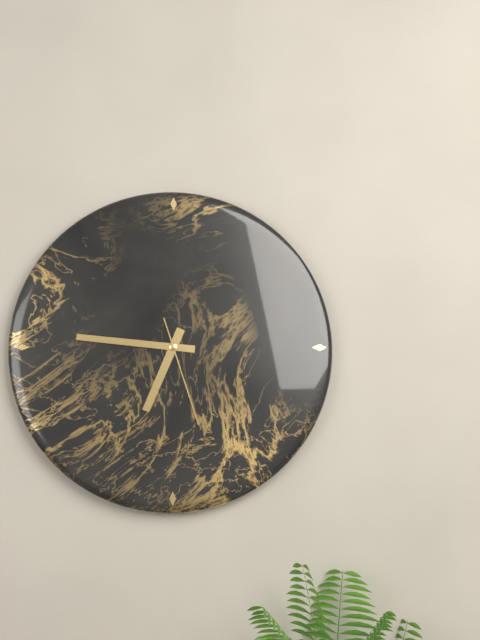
6:46:27
